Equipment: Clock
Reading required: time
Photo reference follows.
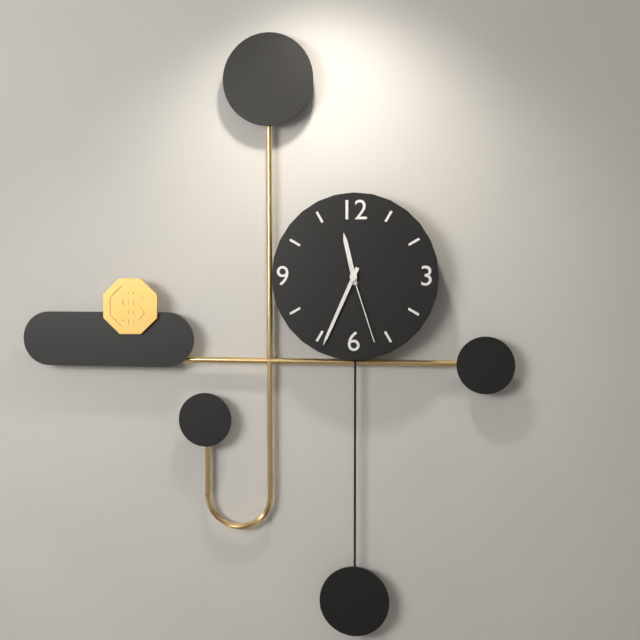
11:34:27
